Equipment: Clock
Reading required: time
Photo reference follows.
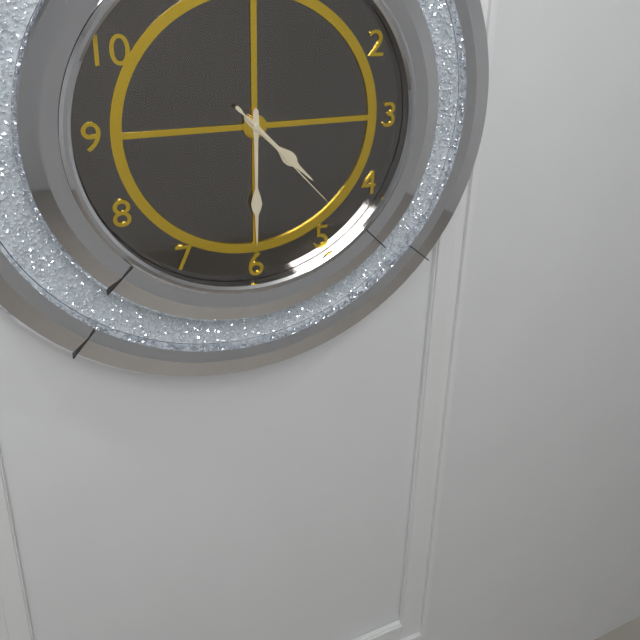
4:30:23
